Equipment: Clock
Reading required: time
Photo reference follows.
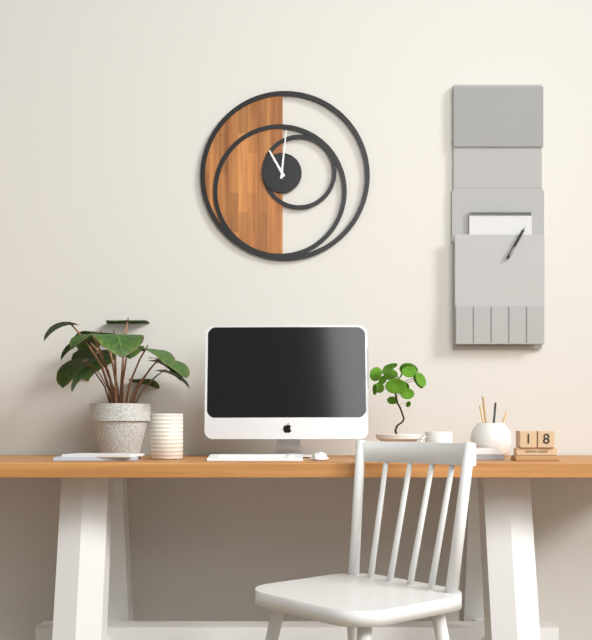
11:01
